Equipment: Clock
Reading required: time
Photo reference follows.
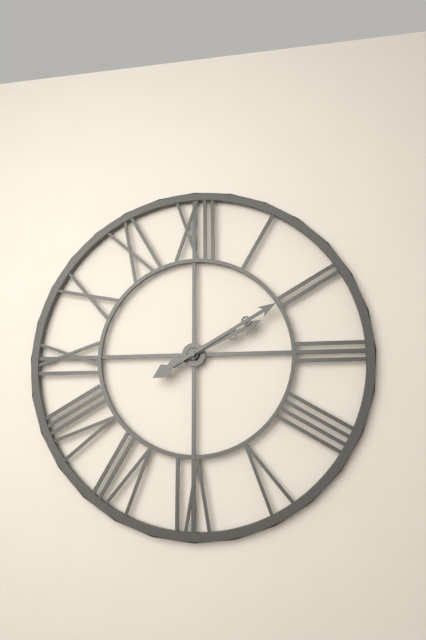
2:10
